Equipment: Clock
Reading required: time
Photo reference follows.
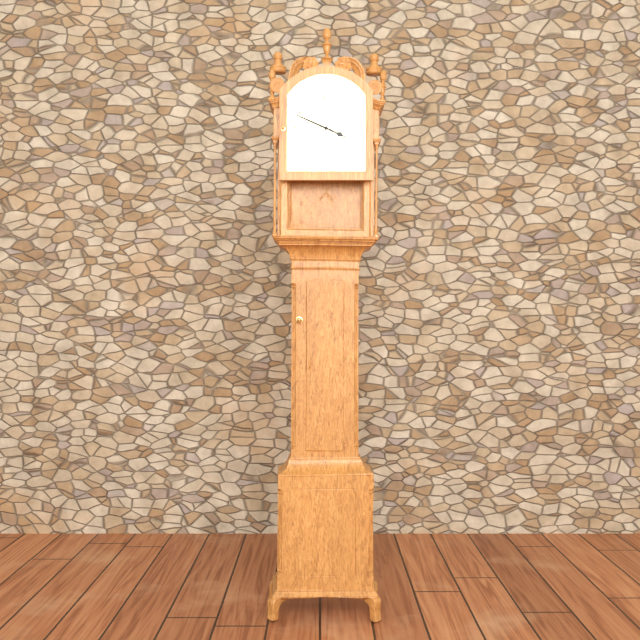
3:49
